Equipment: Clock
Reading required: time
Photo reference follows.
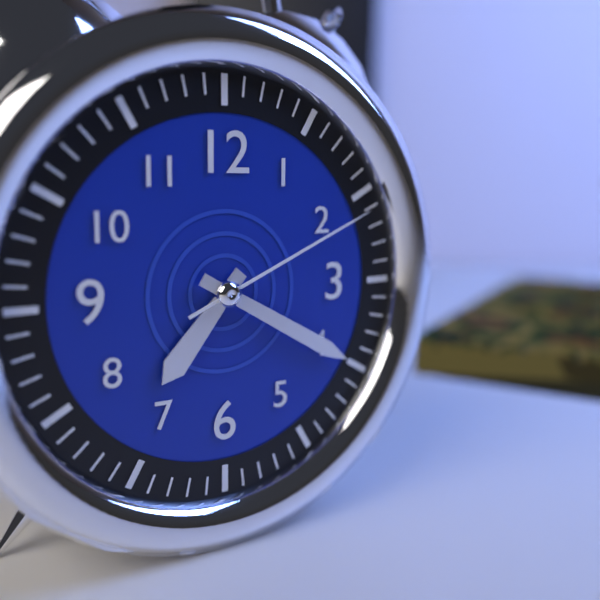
7:20:11
